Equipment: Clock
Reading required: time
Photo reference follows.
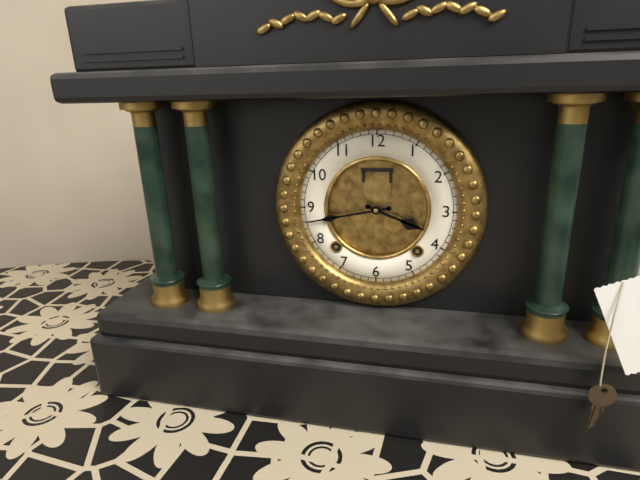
3:43
